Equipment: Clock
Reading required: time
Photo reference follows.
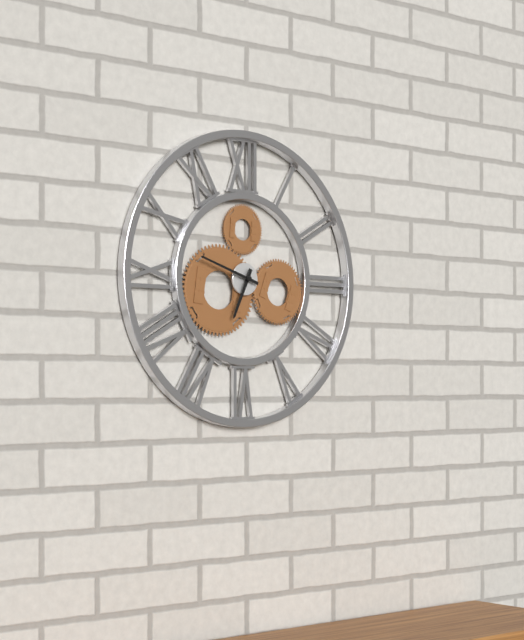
6:48
